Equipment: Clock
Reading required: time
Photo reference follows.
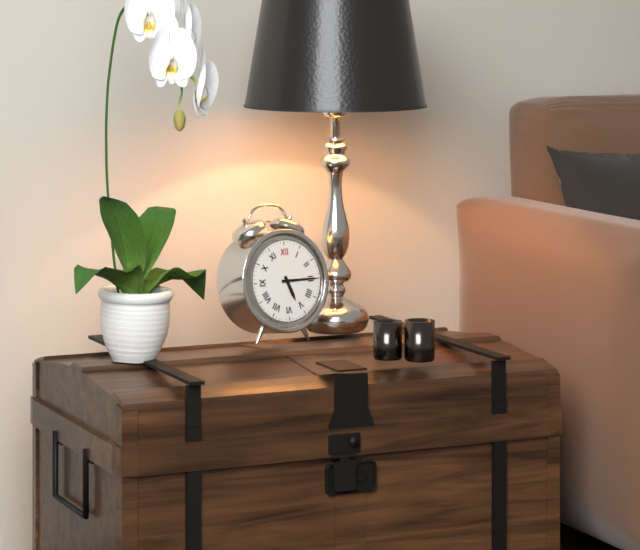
5:15
